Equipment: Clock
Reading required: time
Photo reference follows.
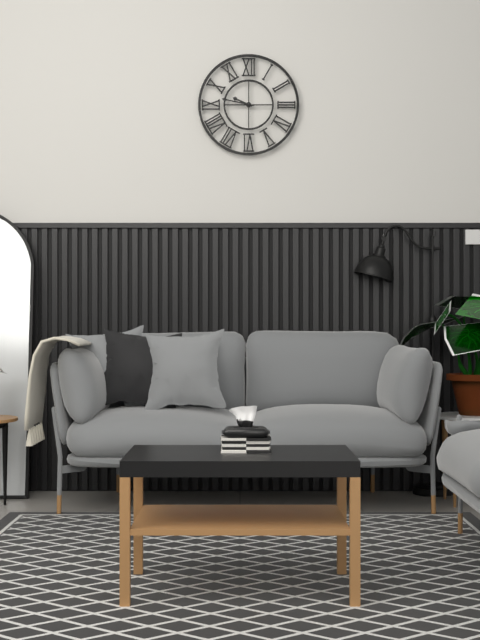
9:47
